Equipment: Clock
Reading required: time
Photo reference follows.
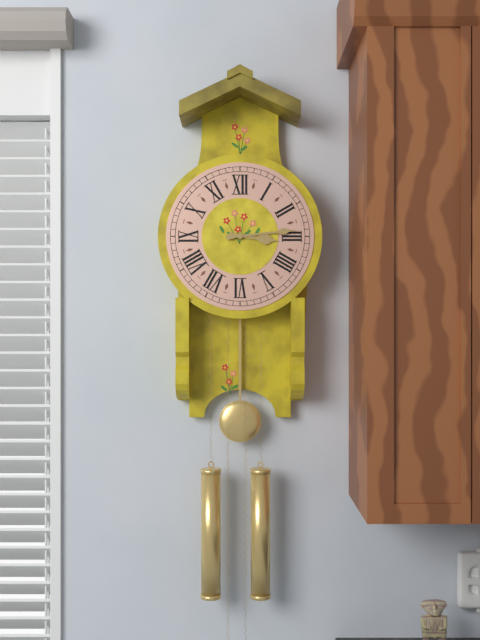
3:14
